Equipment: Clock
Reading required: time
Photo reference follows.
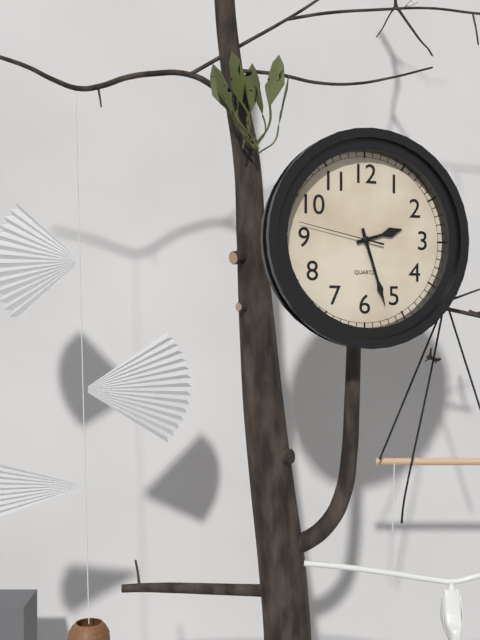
2:27:47
